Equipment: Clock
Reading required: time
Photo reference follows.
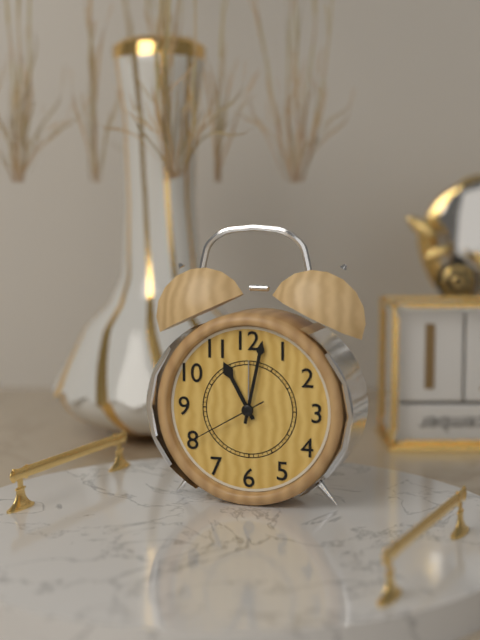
11:02:40
